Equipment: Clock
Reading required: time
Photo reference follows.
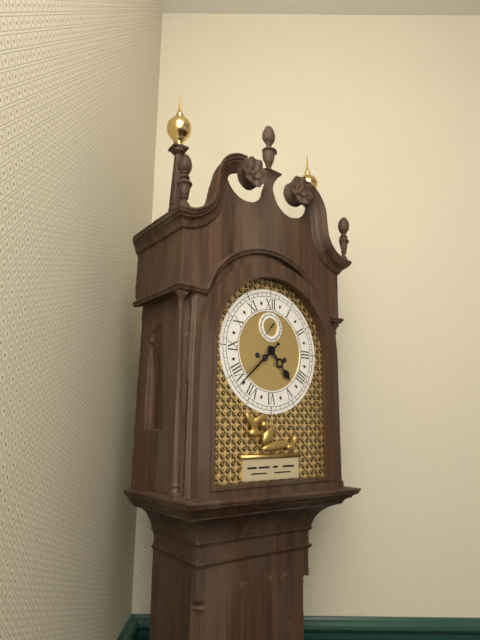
4:38
